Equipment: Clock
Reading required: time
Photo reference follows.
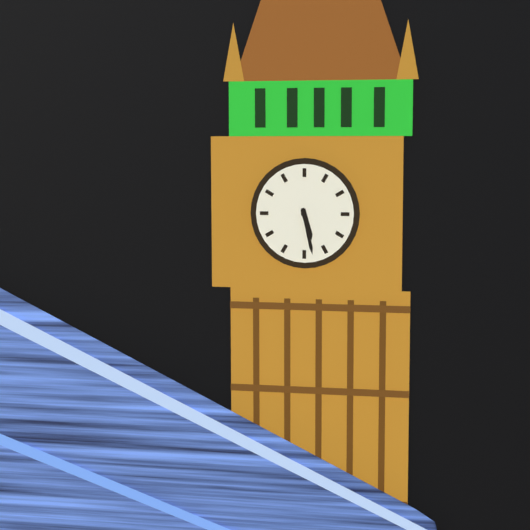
5:28
